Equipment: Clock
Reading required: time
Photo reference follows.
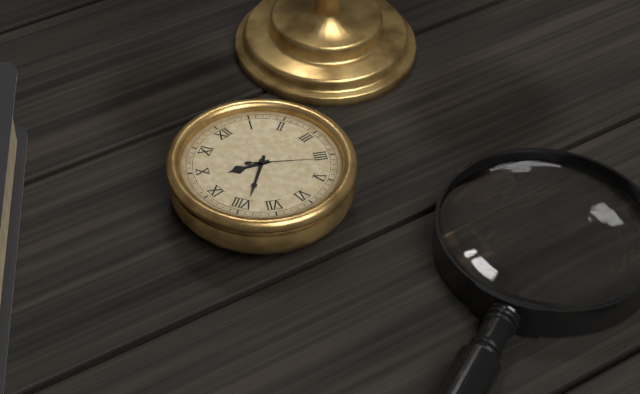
9:39:21
